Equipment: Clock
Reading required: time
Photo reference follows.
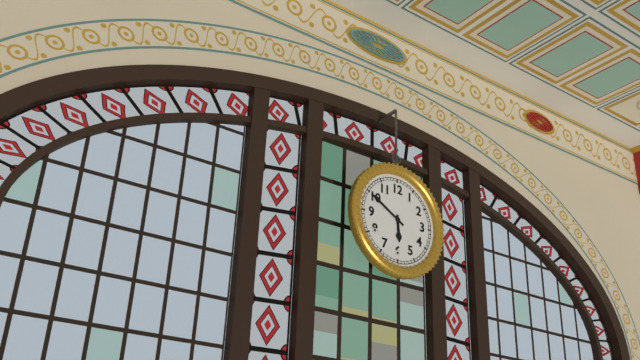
5:50
